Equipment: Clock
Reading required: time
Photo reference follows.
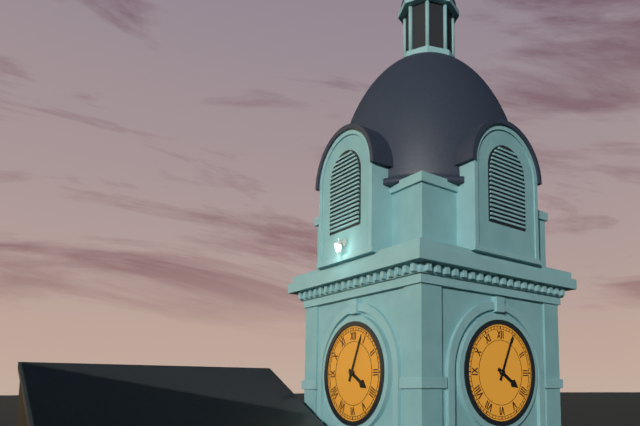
4:04
